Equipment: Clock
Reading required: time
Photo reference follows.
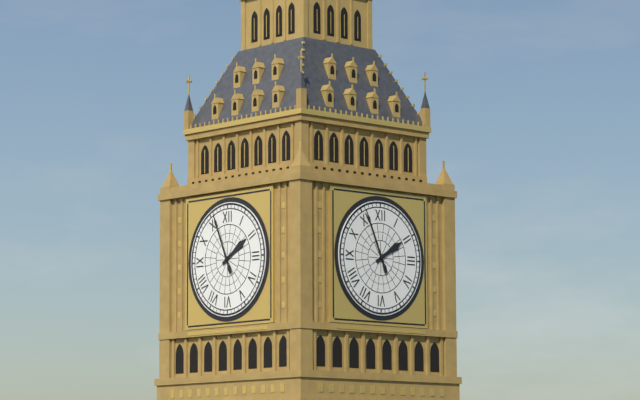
1:56
